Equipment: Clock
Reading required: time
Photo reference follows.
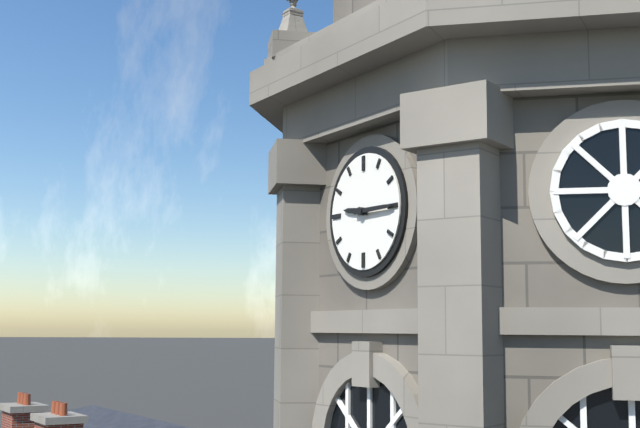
9:15
